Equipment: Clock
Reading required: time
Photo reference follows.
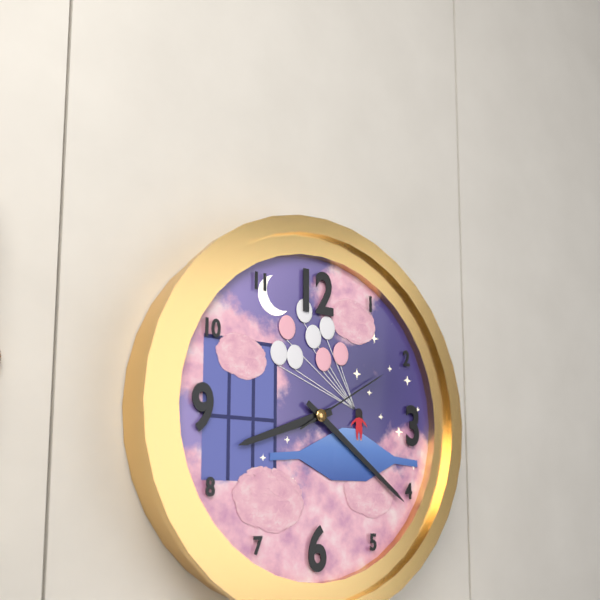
8:21:10
